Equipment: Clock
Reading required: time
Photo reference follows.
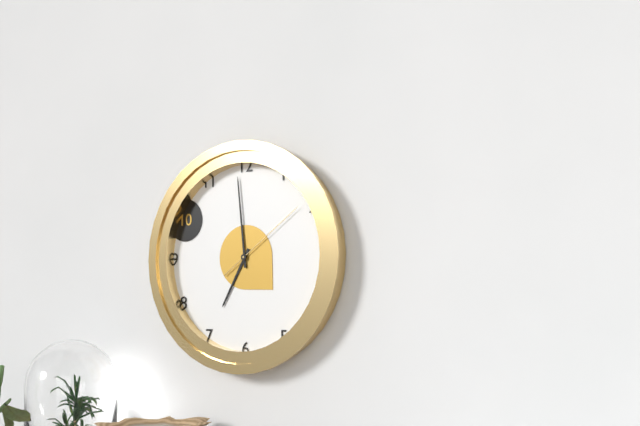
6:59:09
